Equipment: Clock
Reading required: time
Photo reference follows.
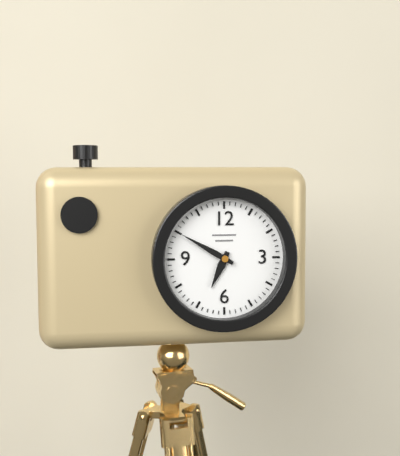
6:50
